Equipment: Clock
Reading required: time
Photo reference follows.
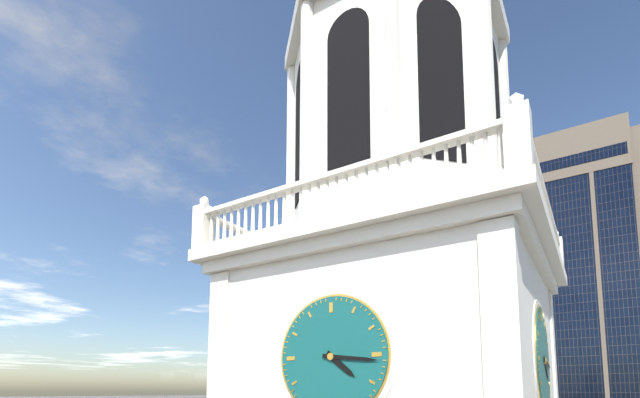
4:16
